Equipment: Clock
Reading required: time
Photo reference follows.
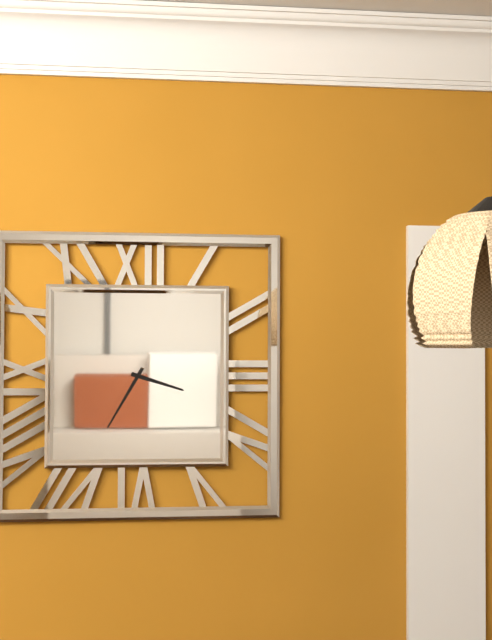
3:35
